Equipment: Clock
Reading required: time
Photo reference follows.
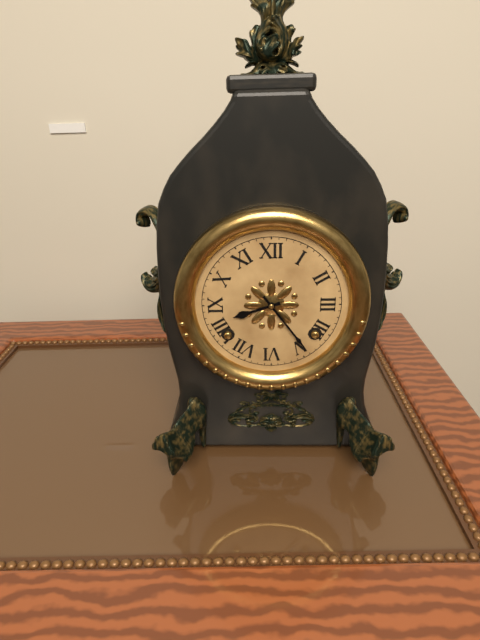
8:24
